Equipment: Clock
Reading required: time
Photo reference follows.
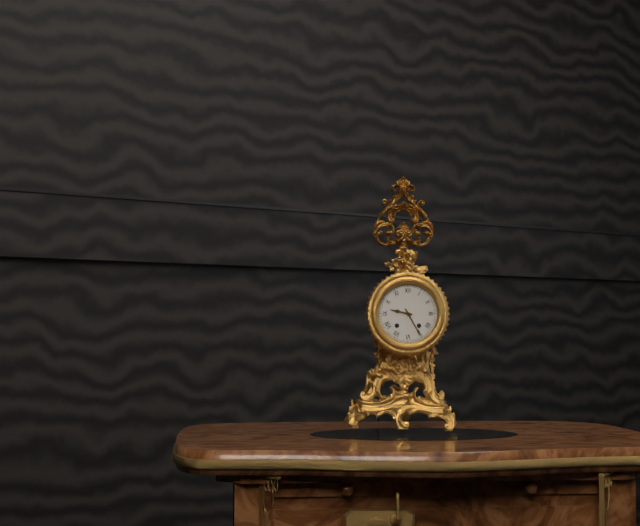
9:25
